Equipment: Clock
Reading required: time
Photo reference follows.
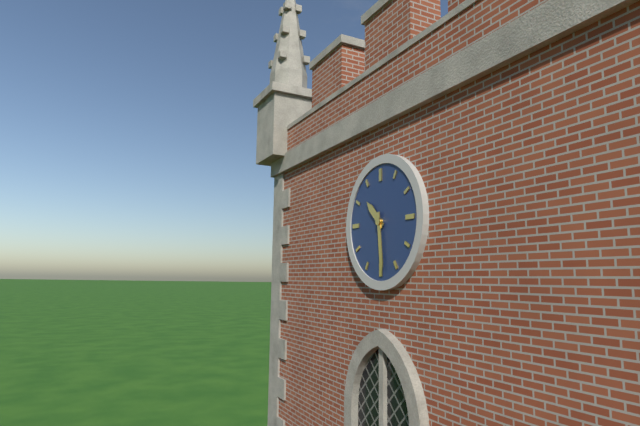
10:29
